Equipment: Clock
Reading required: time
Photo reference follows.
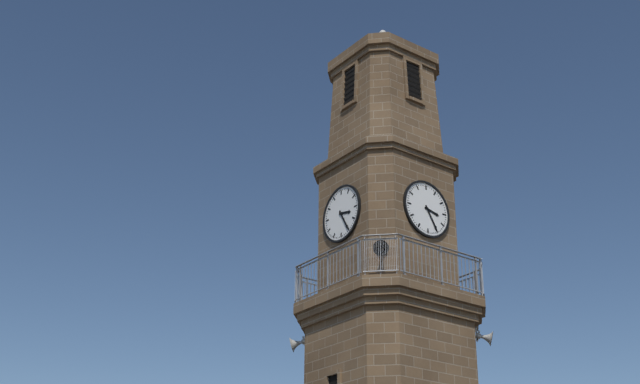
3:25
